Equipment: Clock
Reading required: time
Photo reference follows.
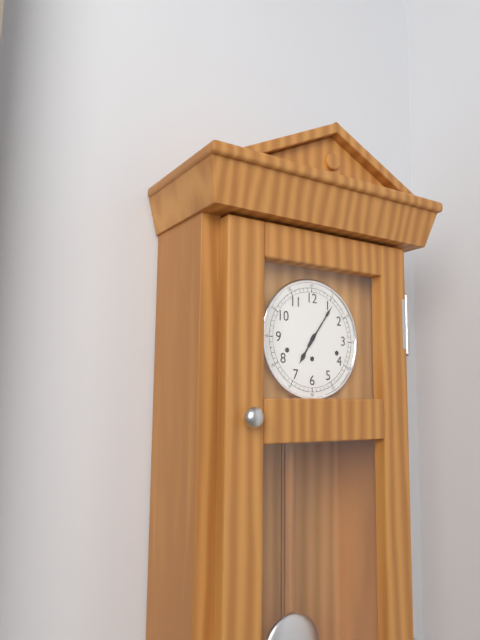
7:06
